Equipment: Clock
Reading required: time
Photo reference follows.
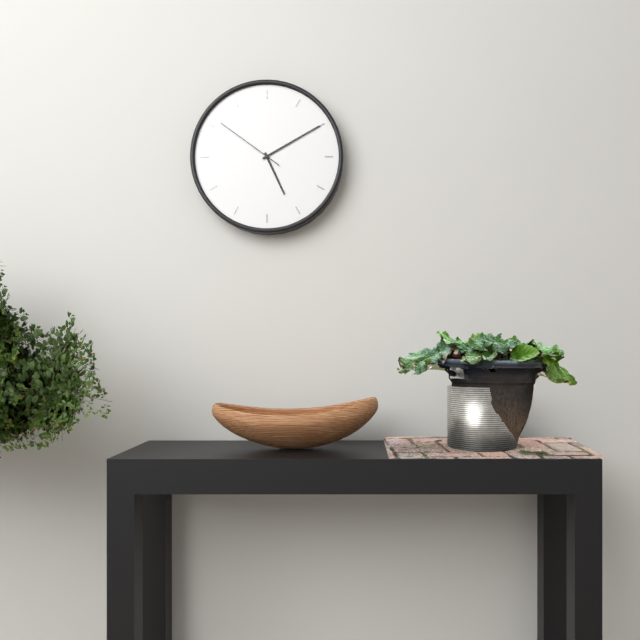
5:10:51
